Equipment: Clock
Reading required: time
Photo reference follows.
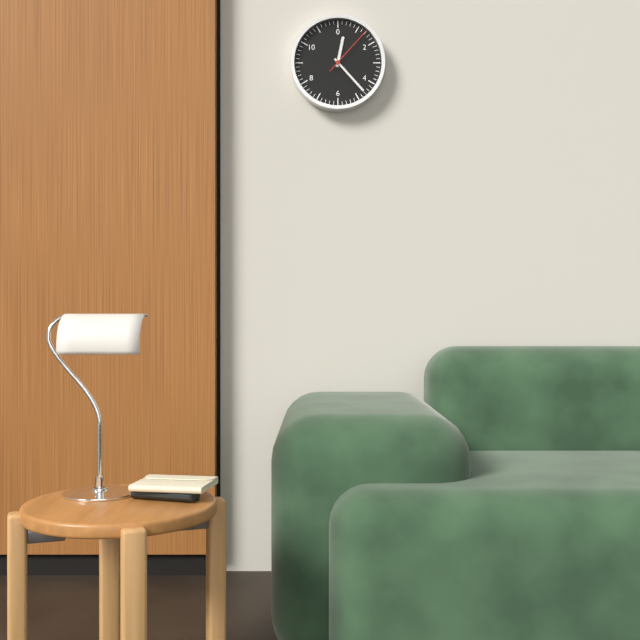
12:23:07
